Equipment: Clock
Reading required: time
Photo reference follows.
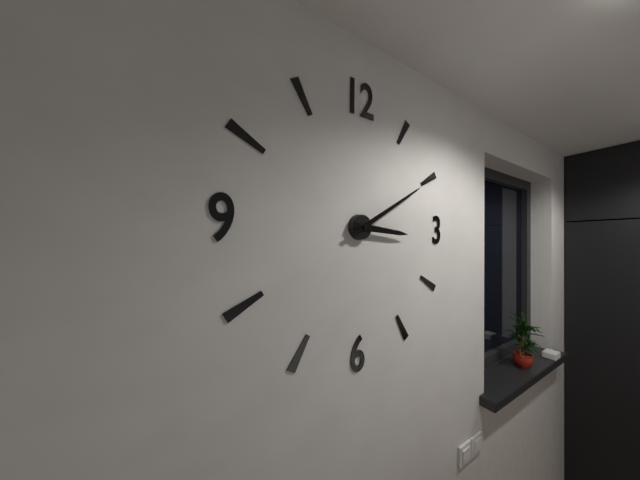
3:10
